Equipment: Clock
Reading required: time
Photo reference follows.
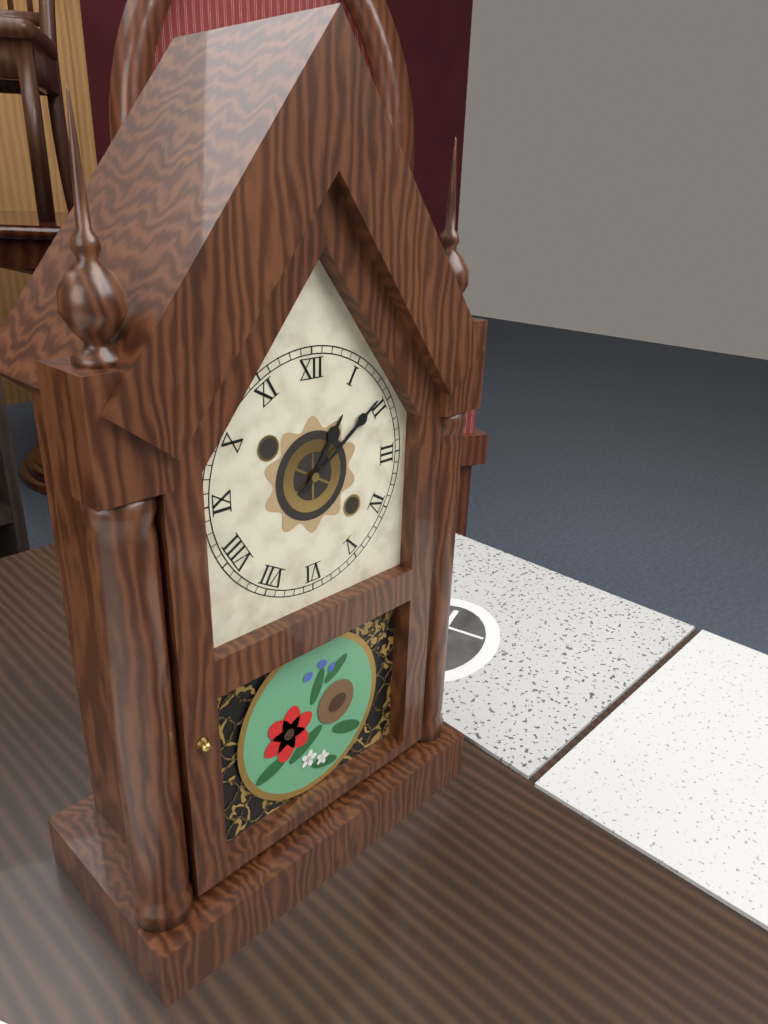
1:09
